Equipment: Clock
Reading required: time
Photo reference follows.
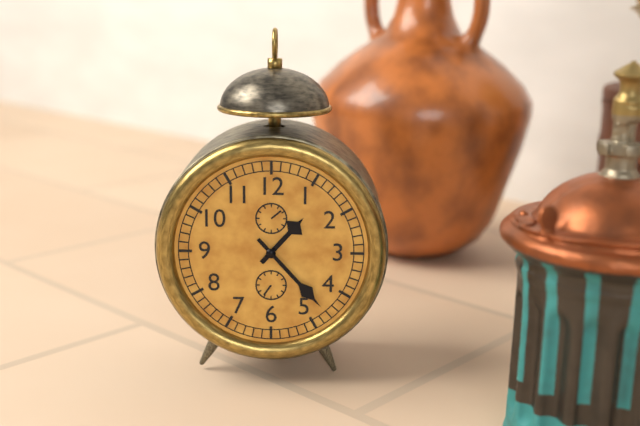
1:23
